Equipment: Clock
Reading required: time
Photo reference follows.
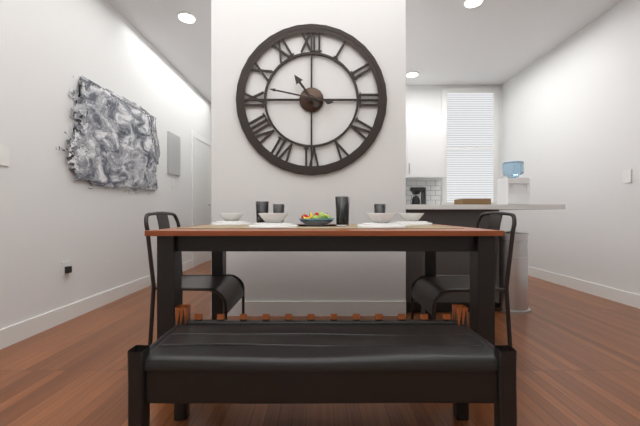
10:47
